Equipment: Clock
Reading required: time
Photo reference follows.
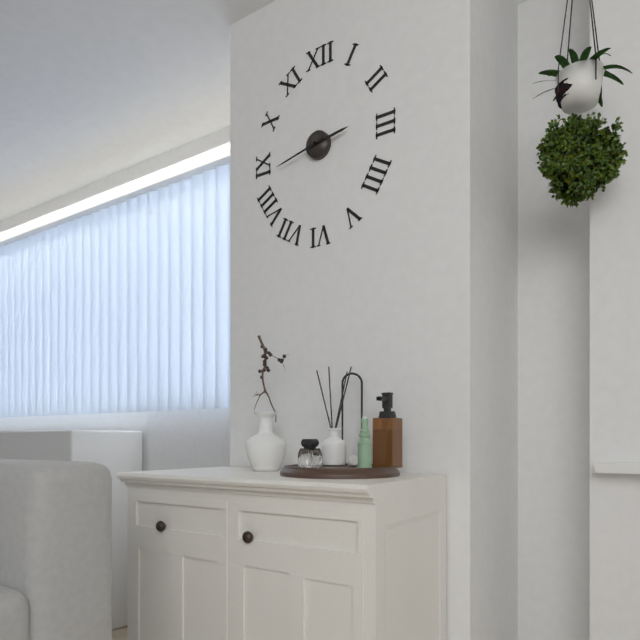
2:43
